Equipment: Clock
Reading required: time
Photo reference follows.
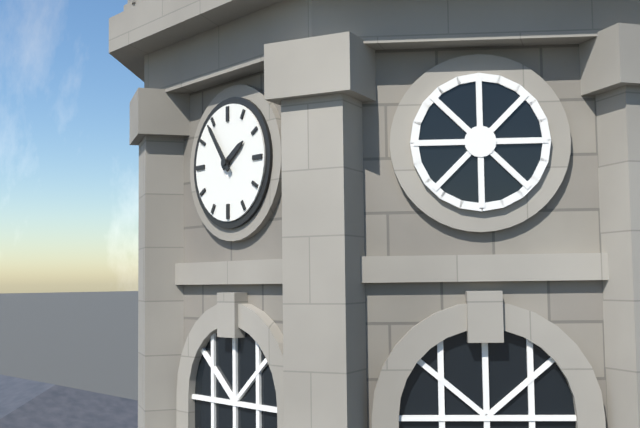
1:54
